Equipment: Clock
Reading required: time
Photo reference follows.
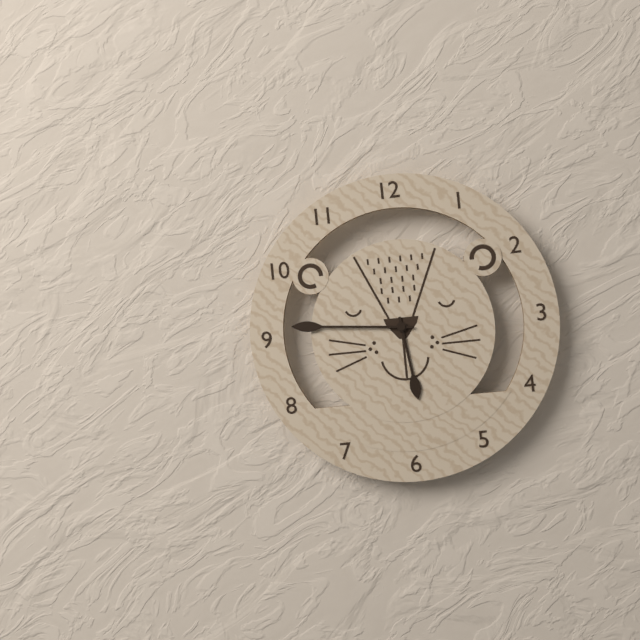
5:46
